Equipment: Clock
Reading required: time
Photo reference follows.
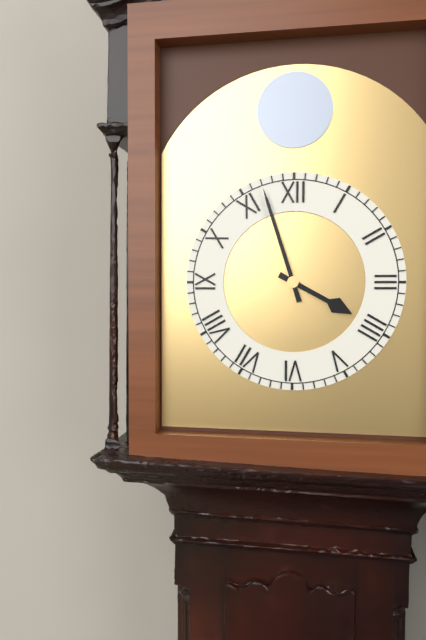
3:57
